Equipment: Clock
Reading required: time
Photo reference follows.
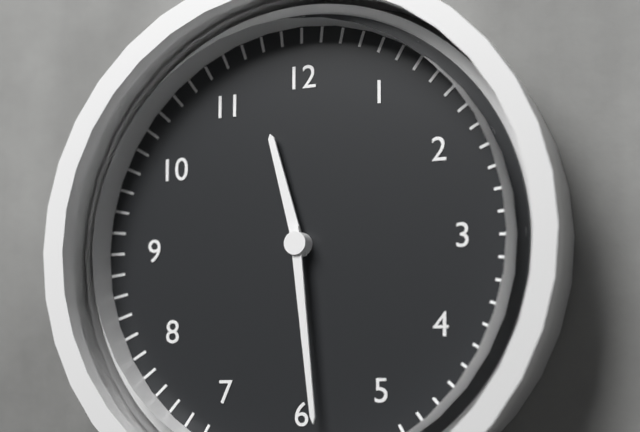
11:29
